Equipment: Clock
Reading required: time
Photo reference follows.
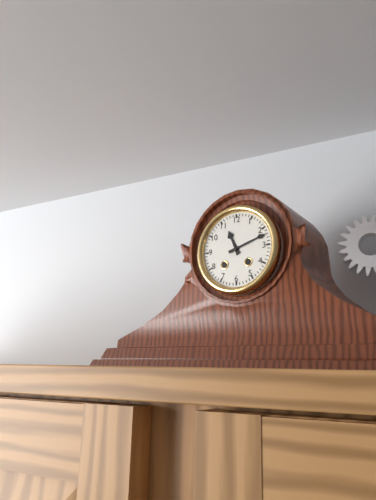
11:12
